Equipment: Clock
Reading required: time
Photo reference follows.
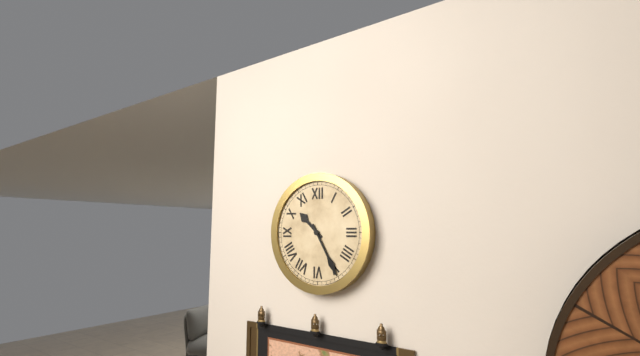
10:25
